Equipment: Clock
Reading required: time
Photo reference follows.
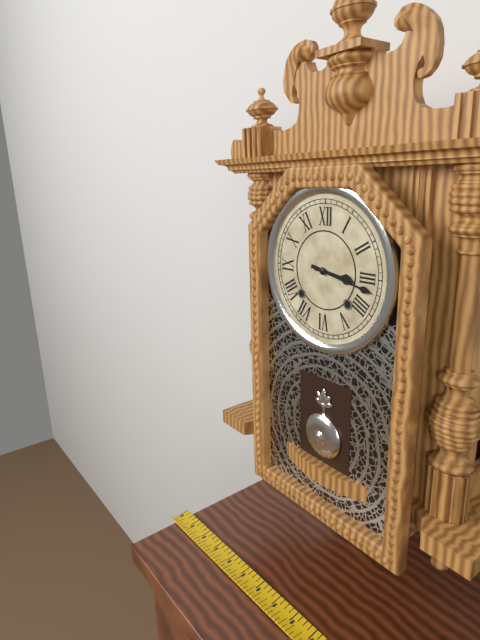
3:17
